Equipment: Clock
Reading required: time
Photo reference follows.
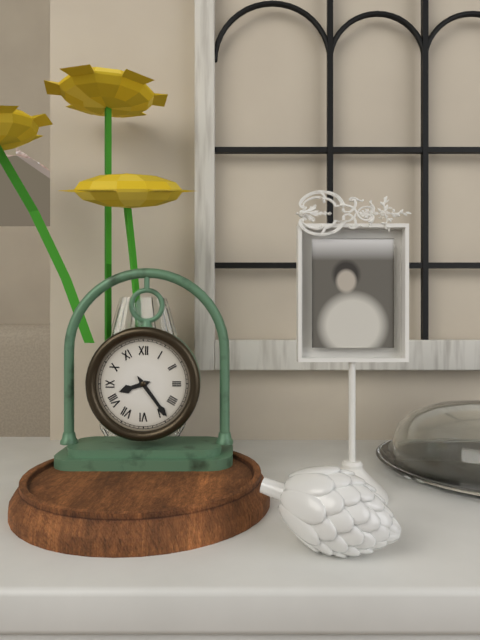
8:24
